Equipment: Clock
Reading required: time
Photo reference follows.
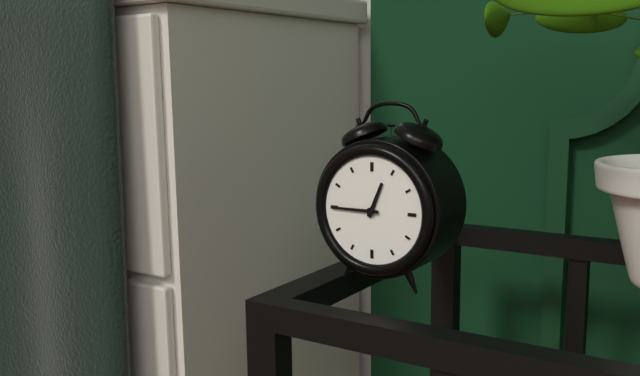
12:45
